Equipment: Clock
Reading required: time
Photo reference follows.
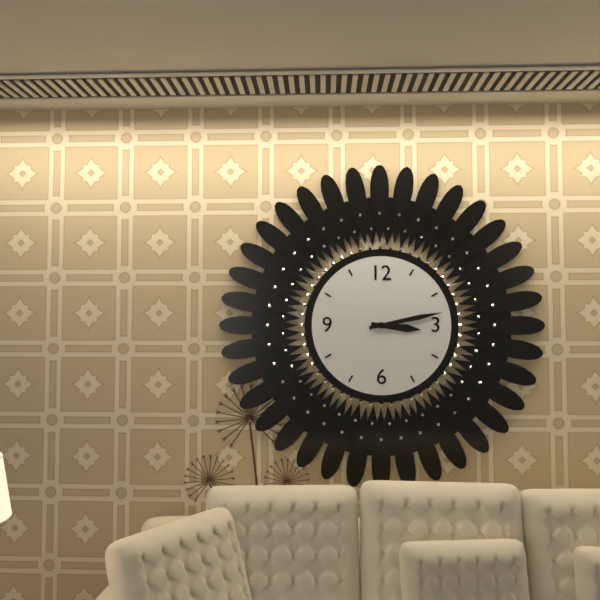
3:13
